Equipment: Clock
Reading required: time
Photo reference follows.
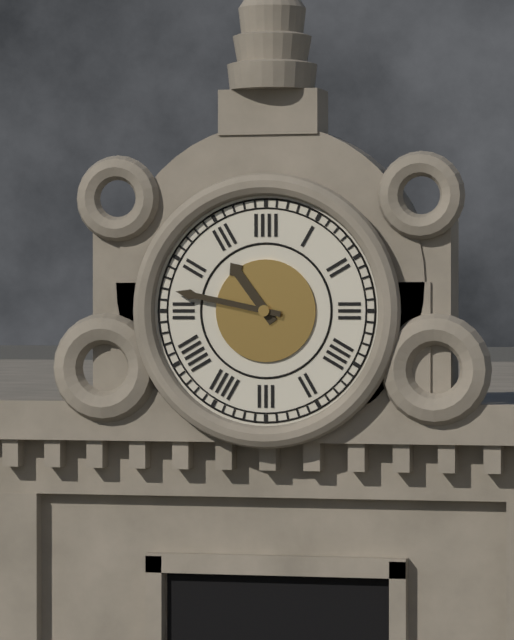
10:47
